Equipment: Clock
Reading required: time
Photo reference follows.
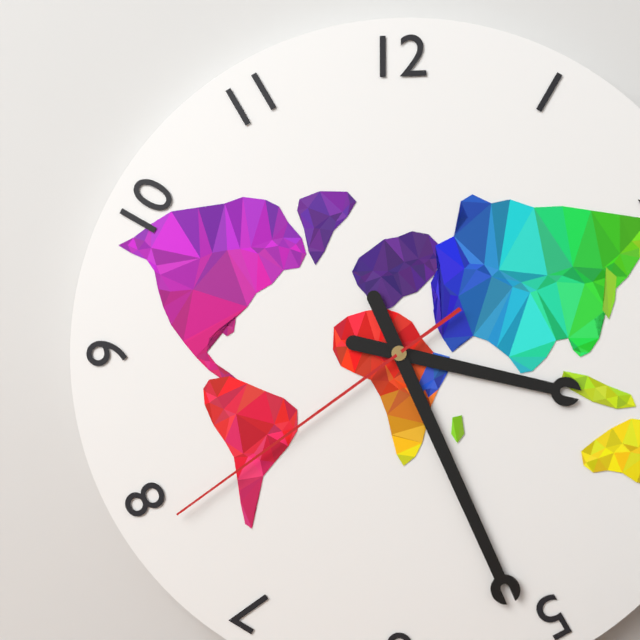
3:26:39
